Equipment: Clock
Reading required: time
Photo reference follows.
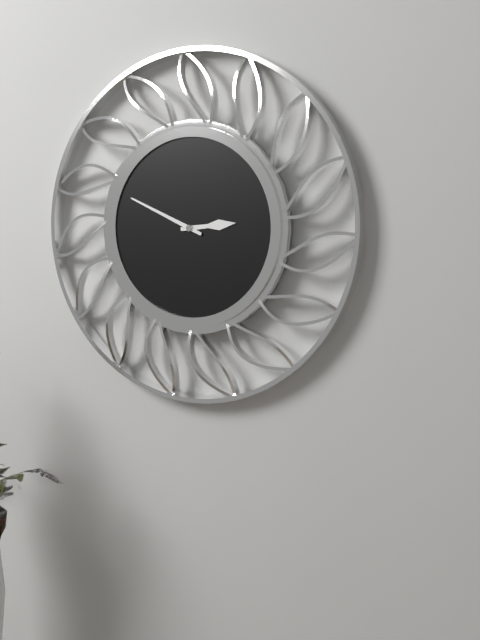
2:49
